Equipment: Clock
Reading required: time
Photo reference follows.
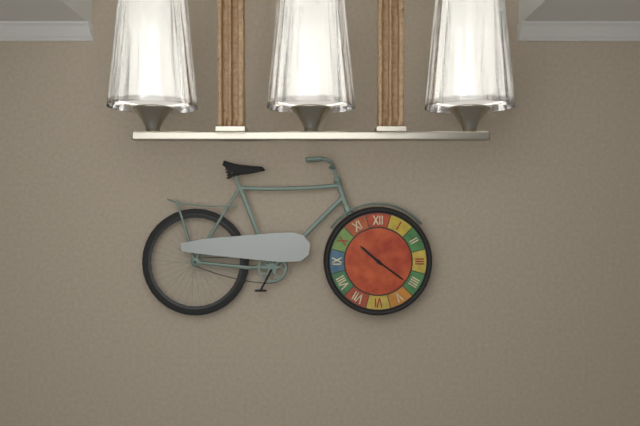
10:21
